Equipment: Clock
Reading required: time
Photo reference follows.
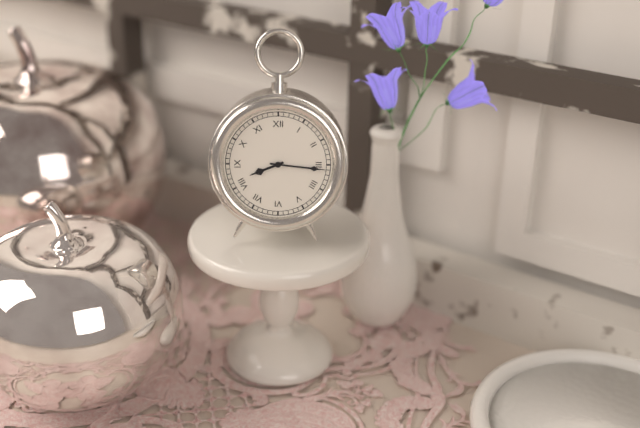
8:16
